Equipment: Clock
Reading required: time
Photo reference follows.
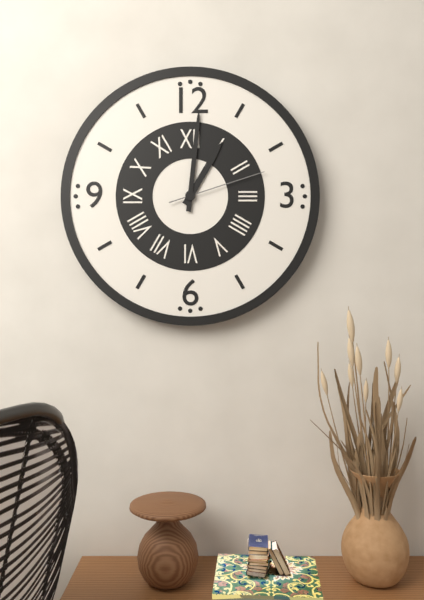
1:01:12
